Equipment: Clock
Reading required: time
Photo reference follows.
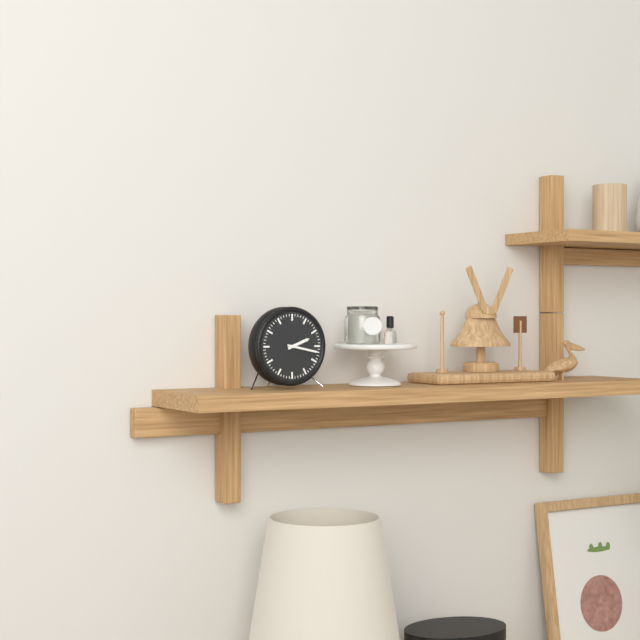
2:17
